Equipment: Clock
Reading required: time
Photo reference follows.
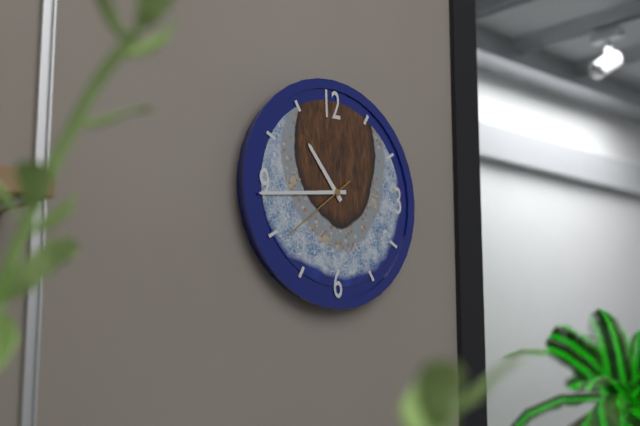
10:44:39
